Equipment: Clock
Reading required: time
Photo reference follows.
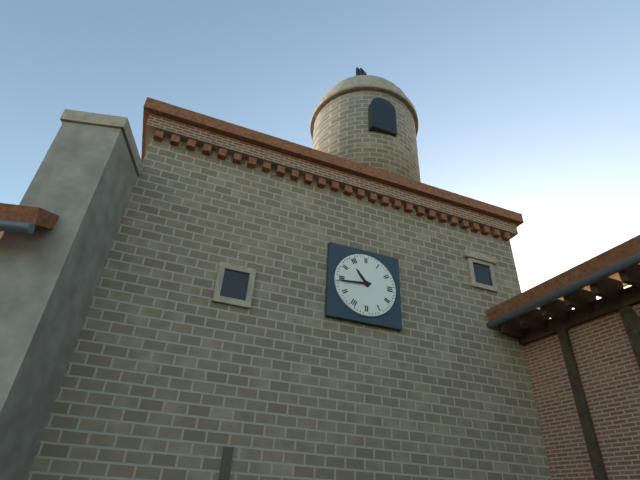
10:44
